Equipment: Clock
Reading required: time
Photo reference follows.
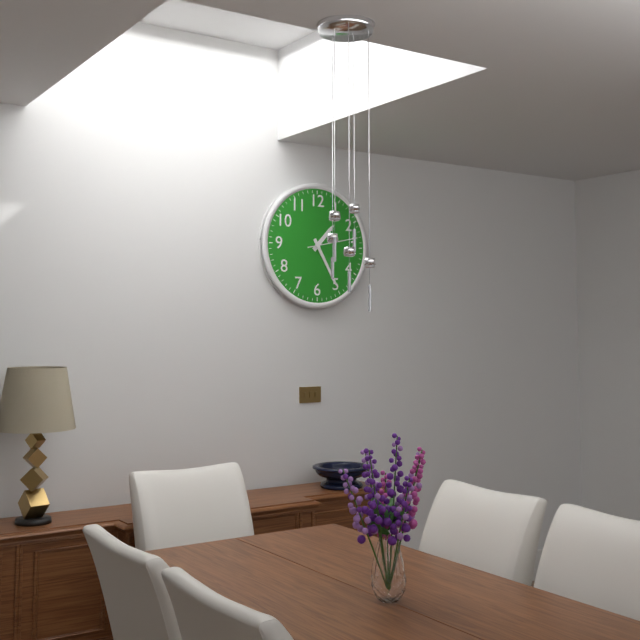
1:25:13
